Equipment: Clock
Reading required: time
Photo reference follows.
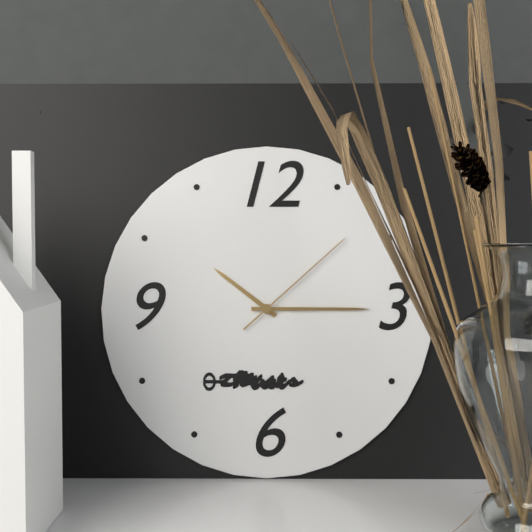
10:15:08
